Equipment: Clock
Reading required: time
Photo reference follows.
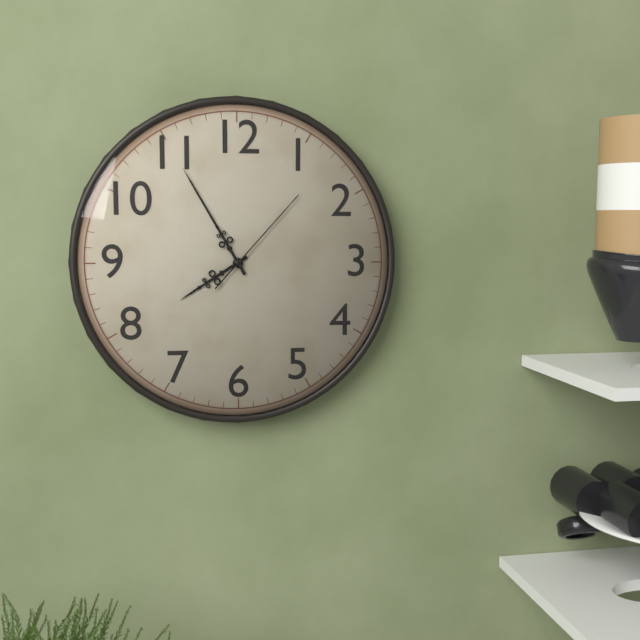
7:55:07
